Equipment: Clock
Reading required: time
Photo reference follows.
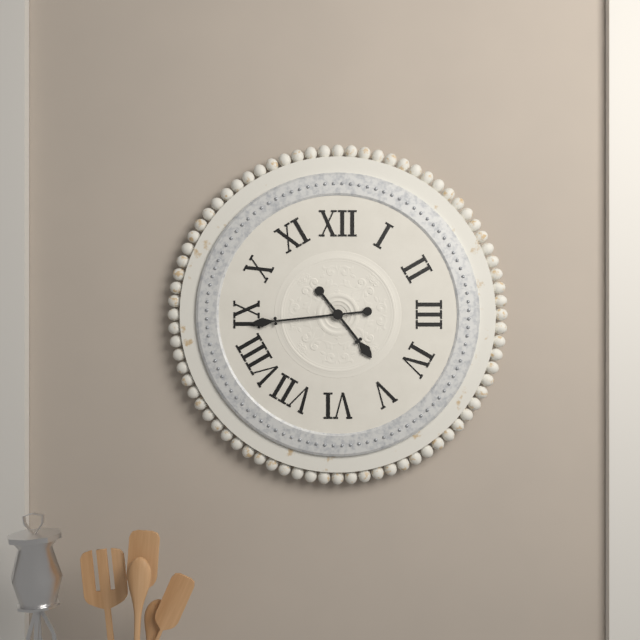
4:44
